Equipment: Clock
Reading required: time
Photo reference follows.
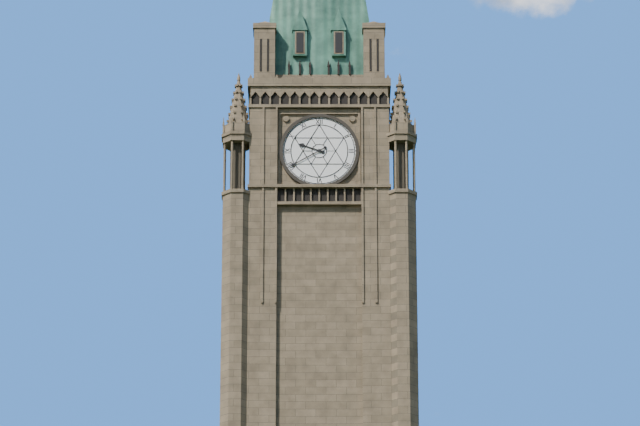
9:40
